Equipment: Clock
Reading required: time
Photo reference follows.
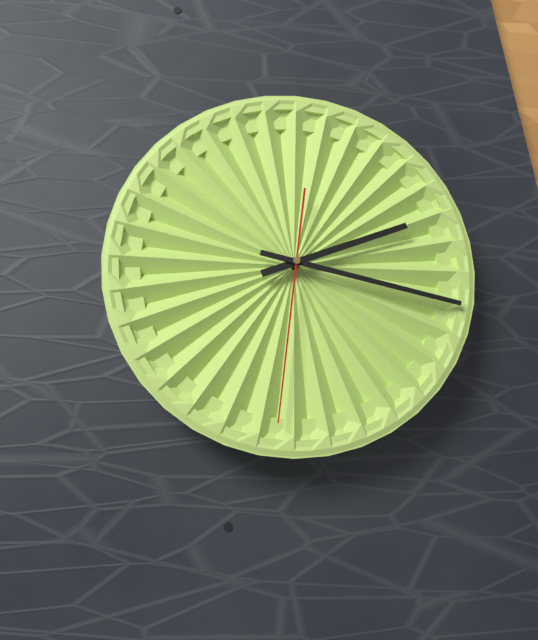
2:17:31
